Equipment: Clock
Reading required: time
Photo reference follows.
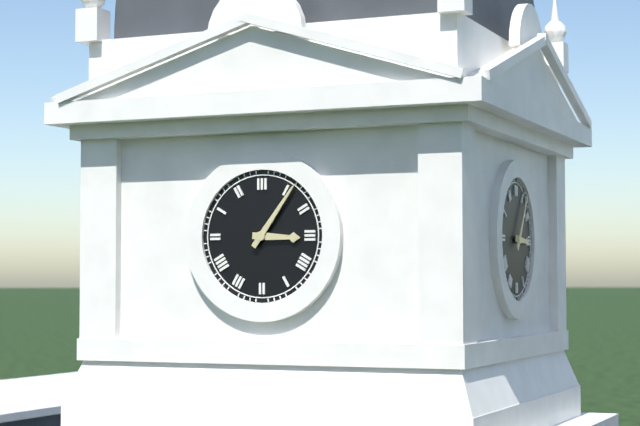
3:06
